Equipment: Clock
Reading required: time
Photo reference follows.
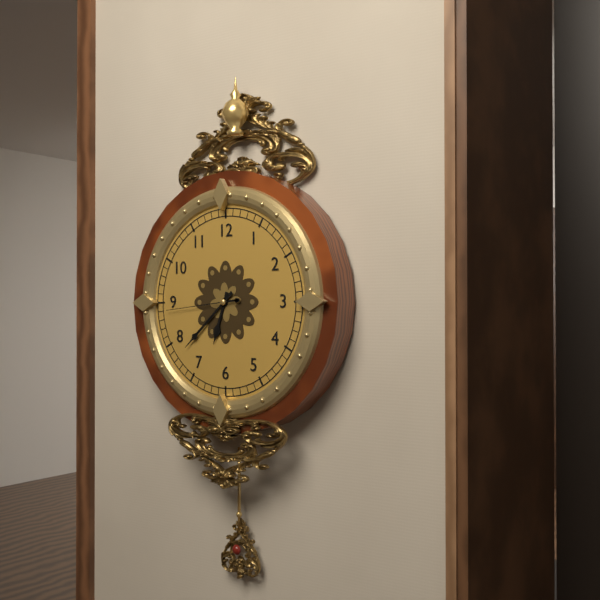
6:38:44
